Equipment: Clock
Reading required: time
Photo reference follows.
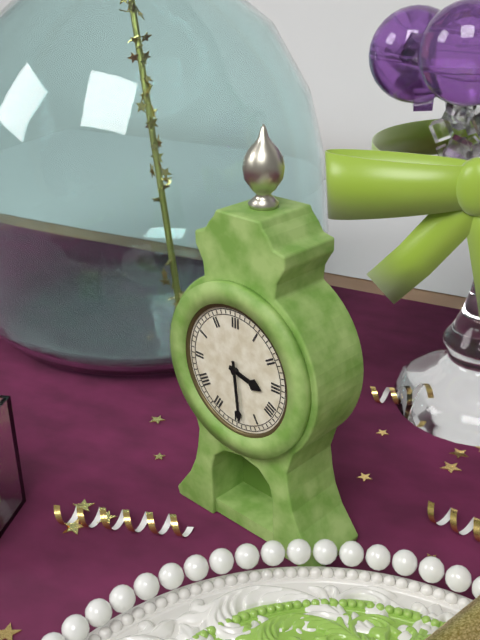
3:29
